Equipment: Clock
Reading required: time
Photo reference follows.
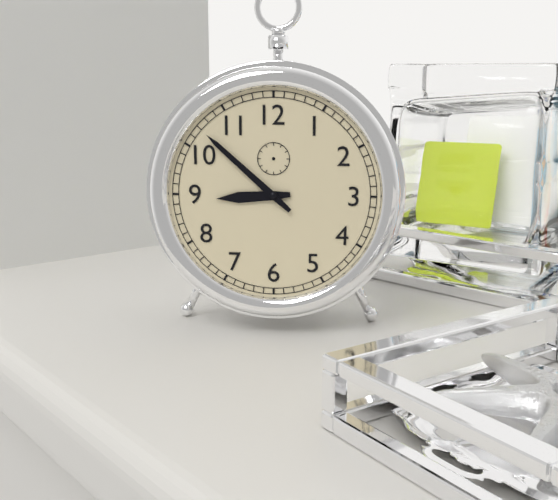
8:52
